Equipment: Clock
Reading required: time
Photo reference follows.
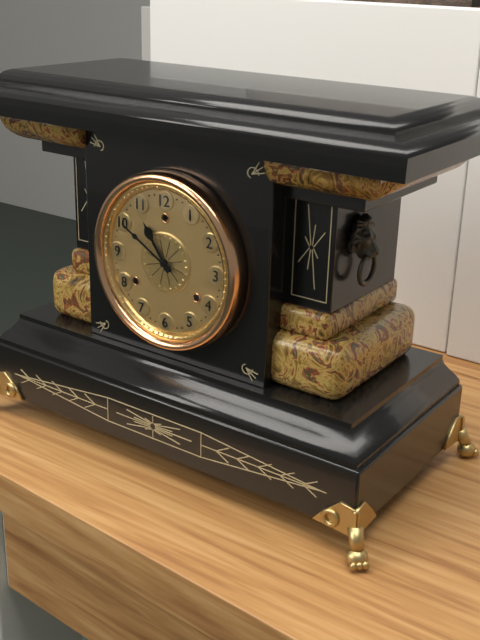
10:50
